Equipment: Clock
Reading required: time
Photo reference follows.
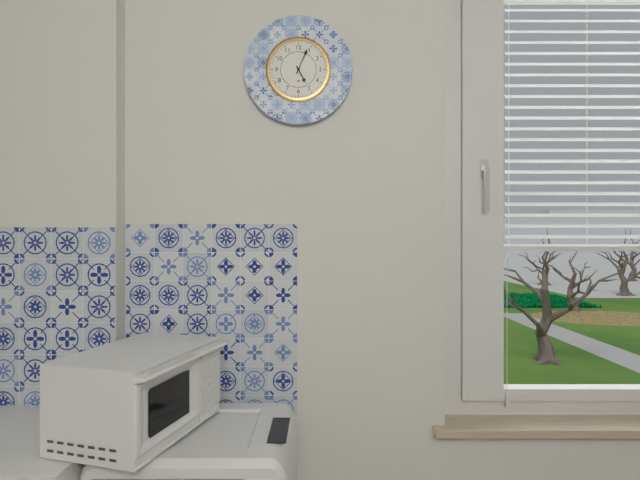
5:04
